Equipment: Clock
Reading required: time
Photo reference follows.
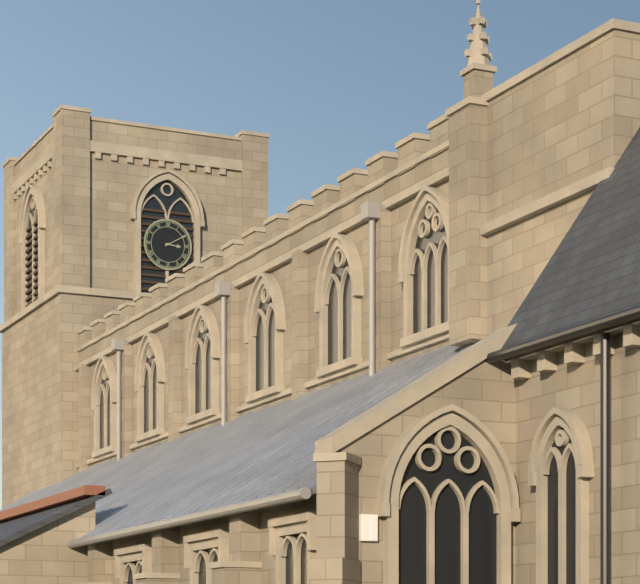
3:10
